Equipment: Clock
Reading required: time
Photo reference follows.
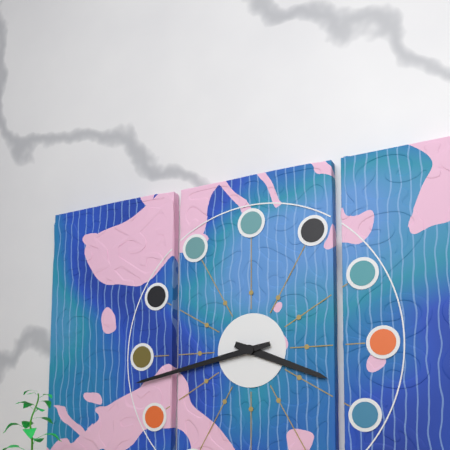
3:43
